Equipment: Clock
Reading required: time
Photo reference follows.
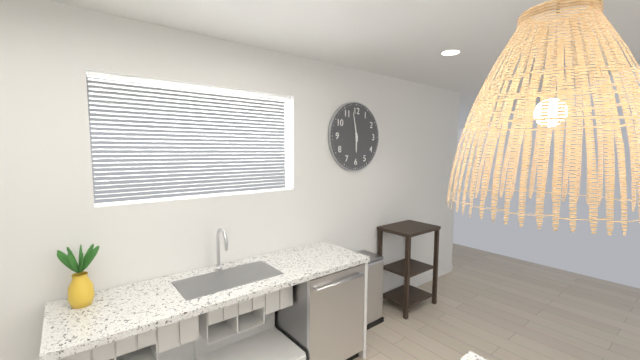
5:58
